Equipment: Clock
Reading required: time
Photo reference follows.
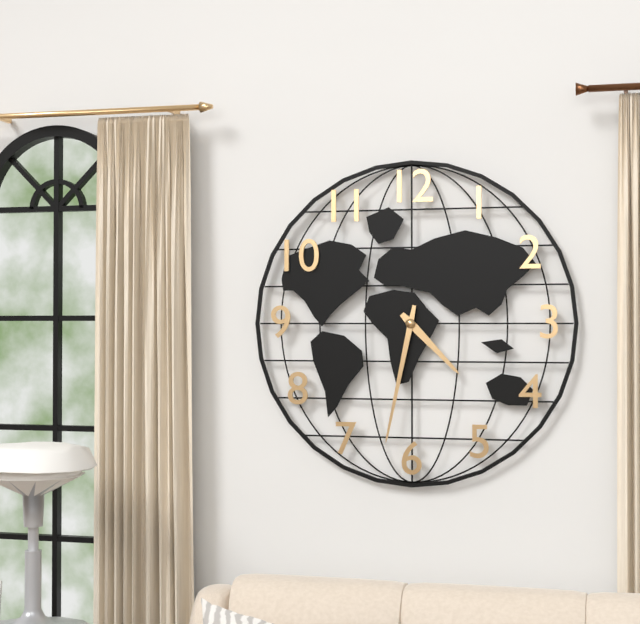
4:32
